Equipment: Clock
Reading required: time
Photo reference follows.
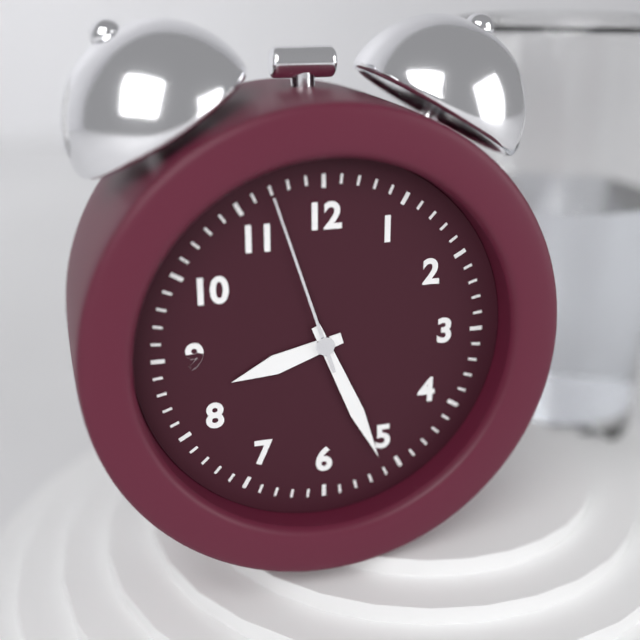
8:26:57
